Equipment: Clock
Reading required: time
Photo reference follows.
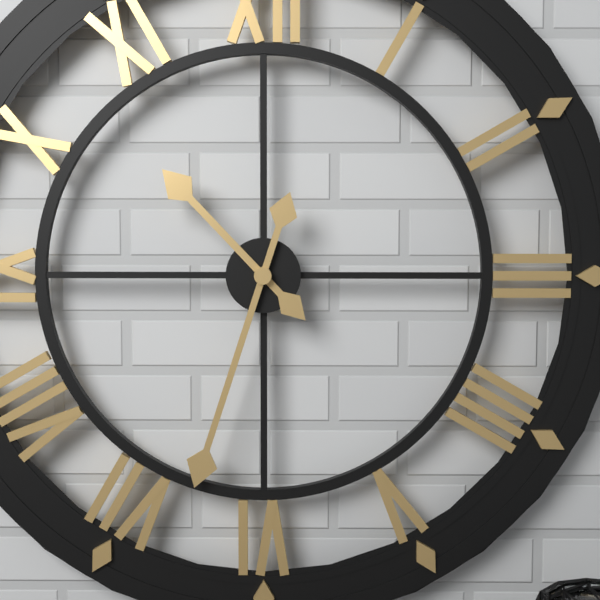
10:33
